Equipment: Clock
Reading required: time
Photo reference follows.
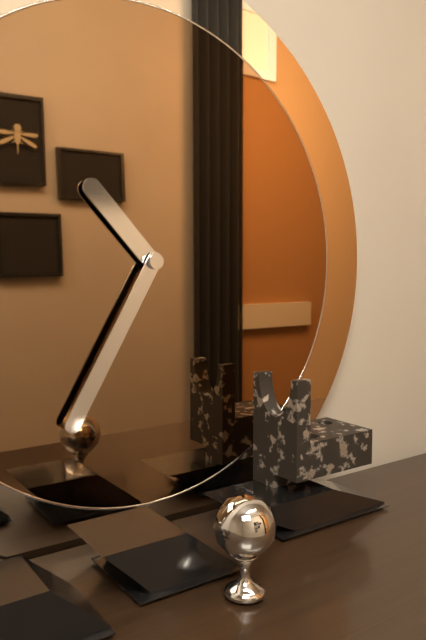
10:35
